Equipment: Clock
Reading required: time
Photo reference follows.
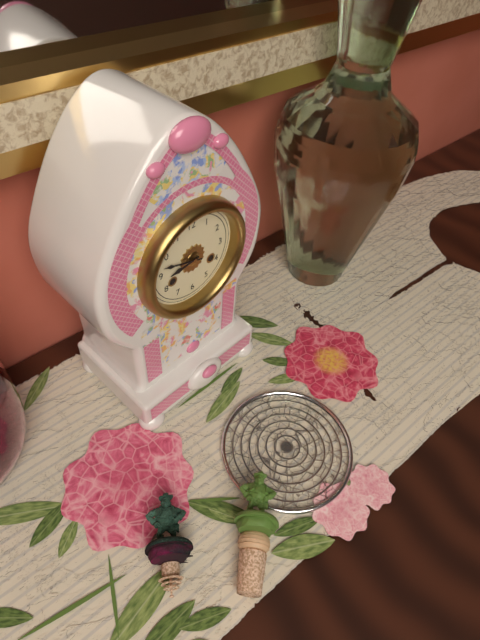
8:48
